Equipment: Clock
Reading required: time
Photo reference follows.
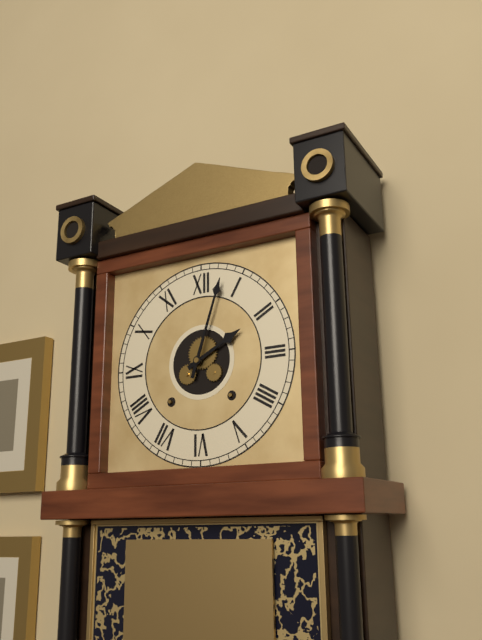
2:03
